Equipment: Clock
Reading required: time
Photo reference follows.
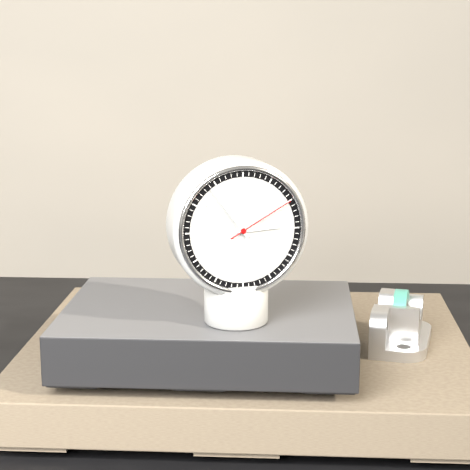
2:54:10
